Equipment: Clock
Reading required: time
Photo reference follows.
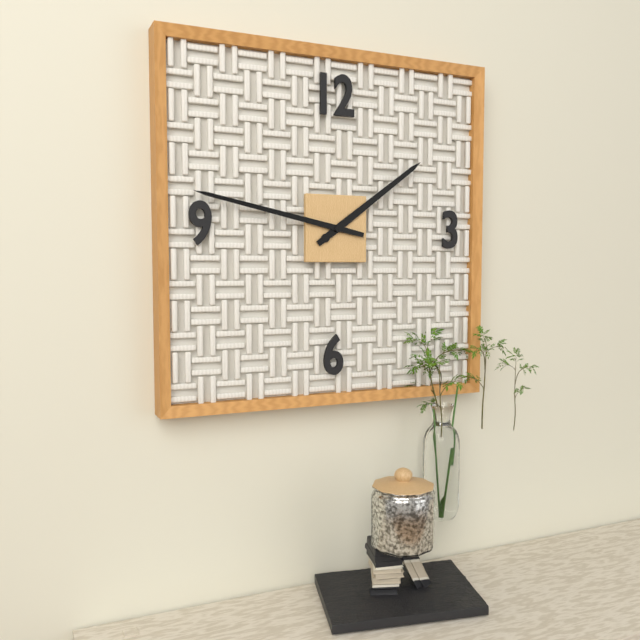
1:47
